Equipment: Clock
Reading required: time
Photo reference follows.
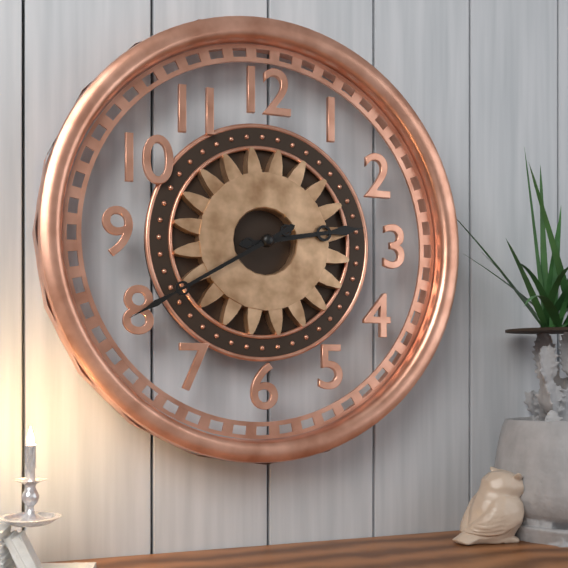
2:40
